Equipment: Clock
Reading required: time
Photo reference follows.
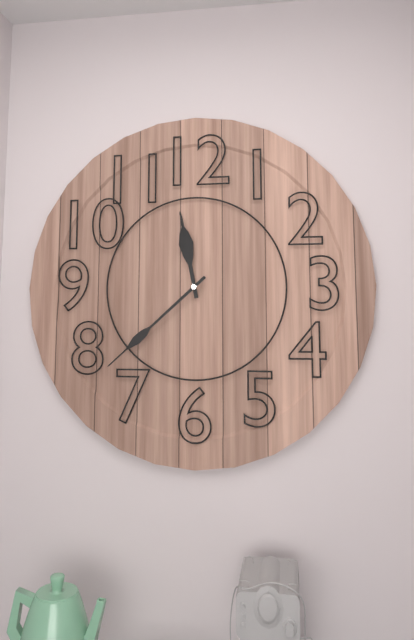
11:38
